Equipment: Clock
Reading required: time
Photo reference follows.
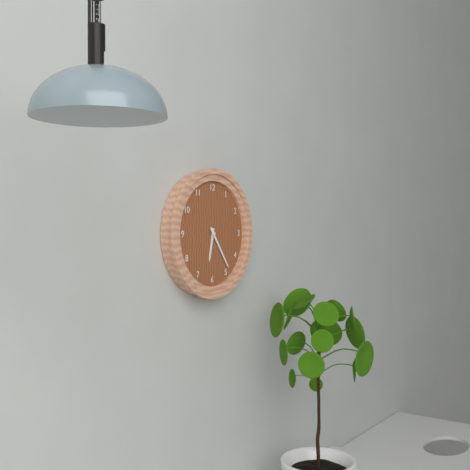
6:24
